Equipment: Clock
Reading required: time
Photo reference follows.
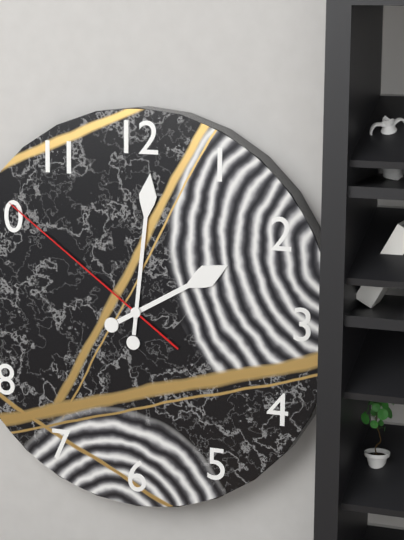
2:01:51
